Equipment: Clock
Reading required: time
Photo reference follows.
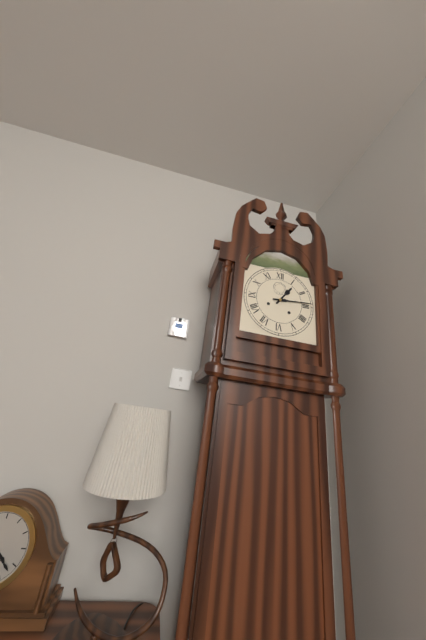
1:14
